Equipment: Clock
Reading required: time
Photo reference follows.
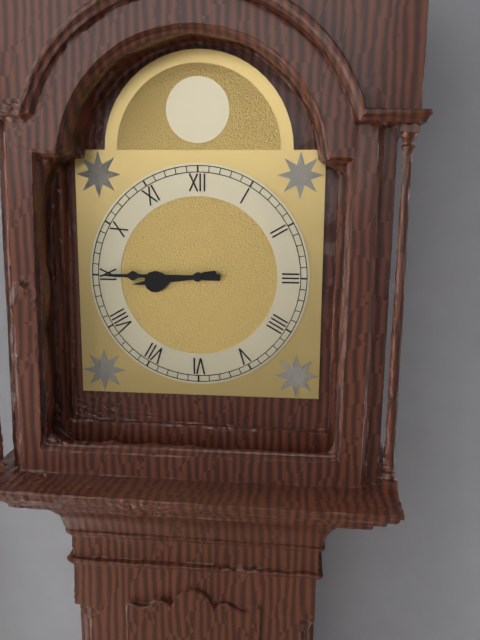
8:45
